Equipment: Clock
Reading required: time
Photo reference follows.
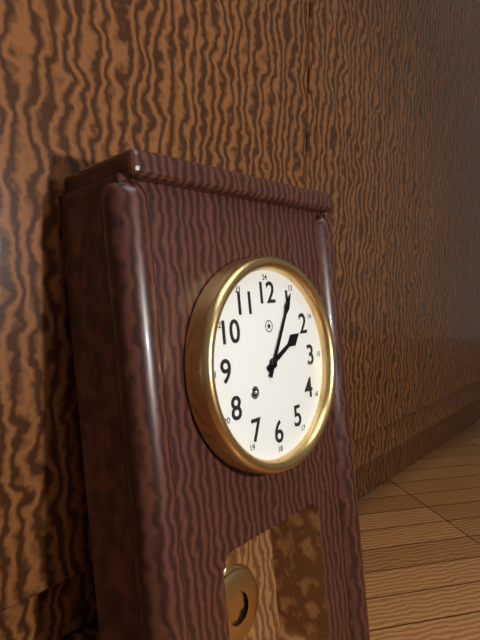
2:05
